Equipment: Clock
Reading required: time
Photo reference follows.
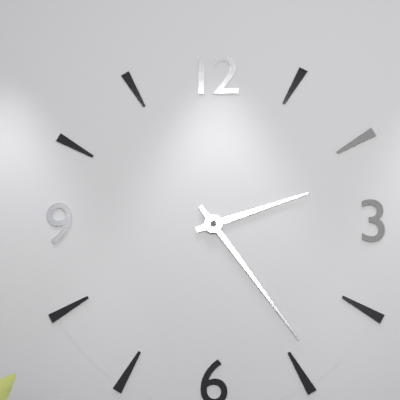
2:24
